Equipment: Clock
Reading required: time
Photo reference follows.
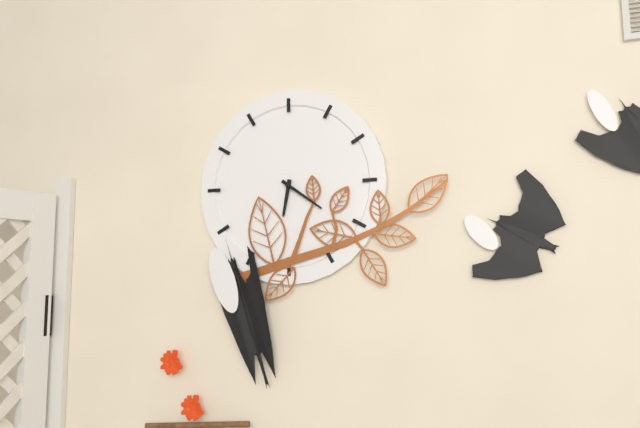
6:21
